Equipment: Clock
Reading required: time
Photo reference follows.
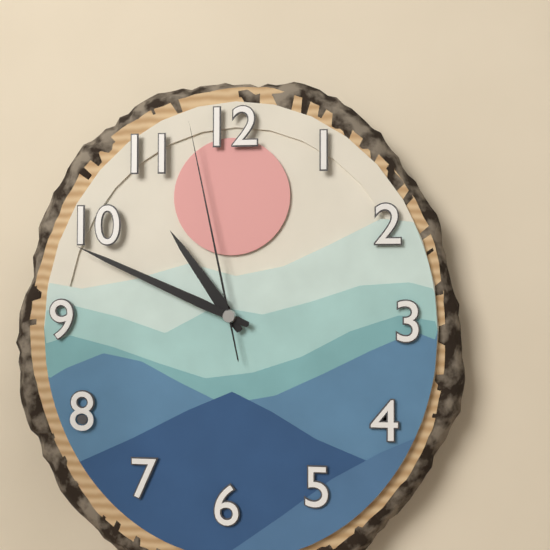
10:49:58
